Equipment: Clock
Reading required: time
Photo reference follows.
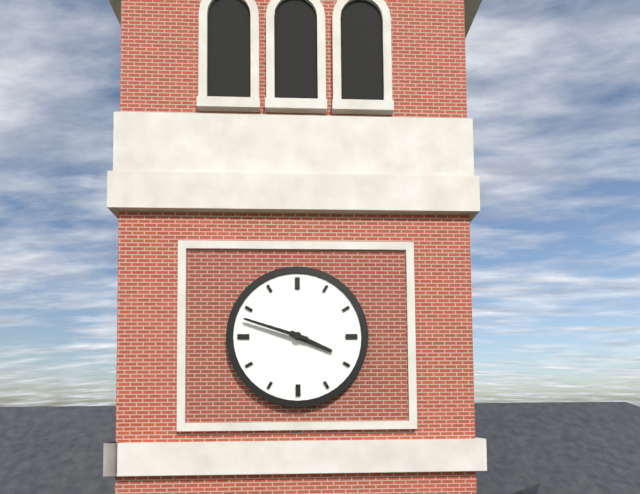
3:48
